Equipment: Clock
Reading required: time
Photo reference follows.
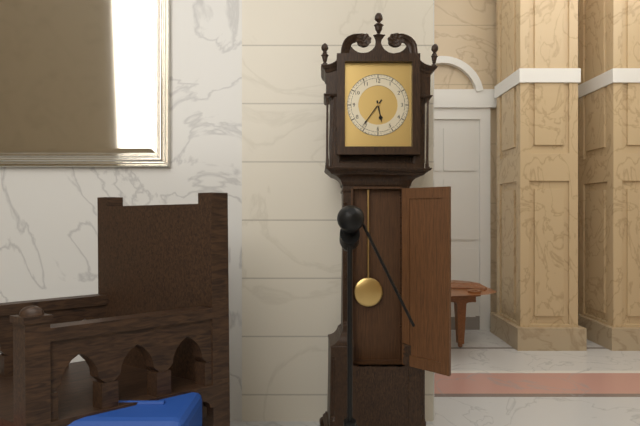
5:36
